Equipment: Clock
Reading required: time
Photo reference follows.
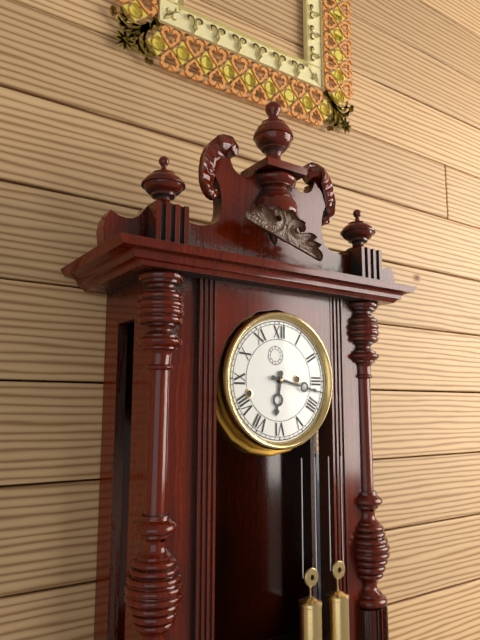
6:17
